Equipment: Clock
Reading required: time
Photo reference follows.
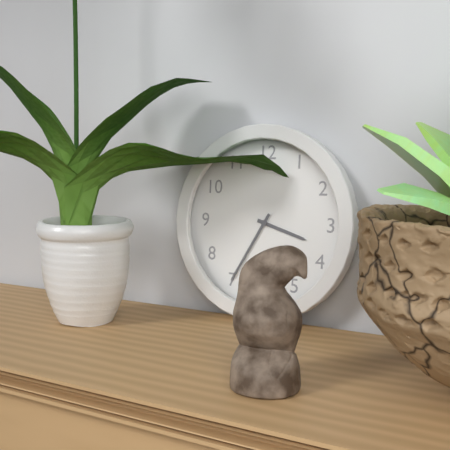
3:35
